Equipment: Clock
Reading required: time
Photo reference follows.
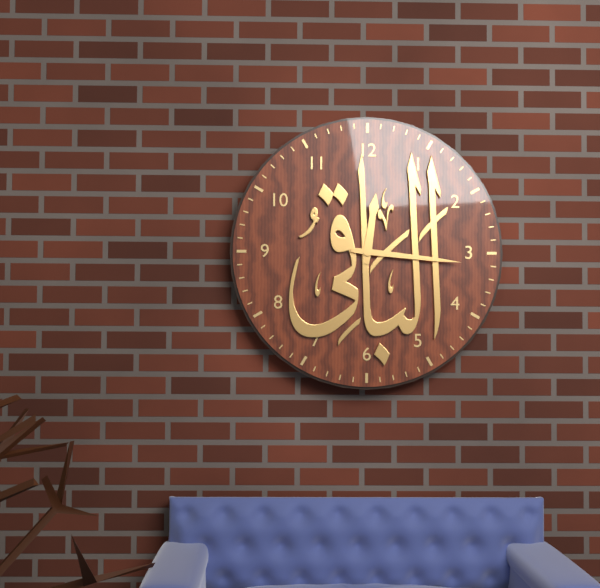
12:16
